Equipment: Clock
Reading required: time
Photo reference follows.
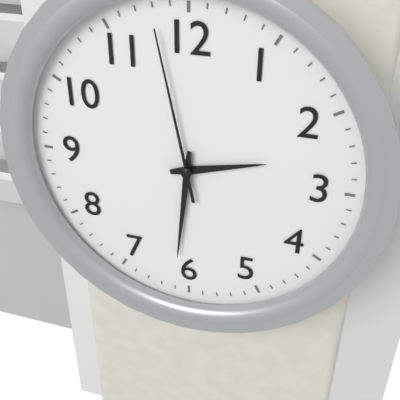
2:31:58
